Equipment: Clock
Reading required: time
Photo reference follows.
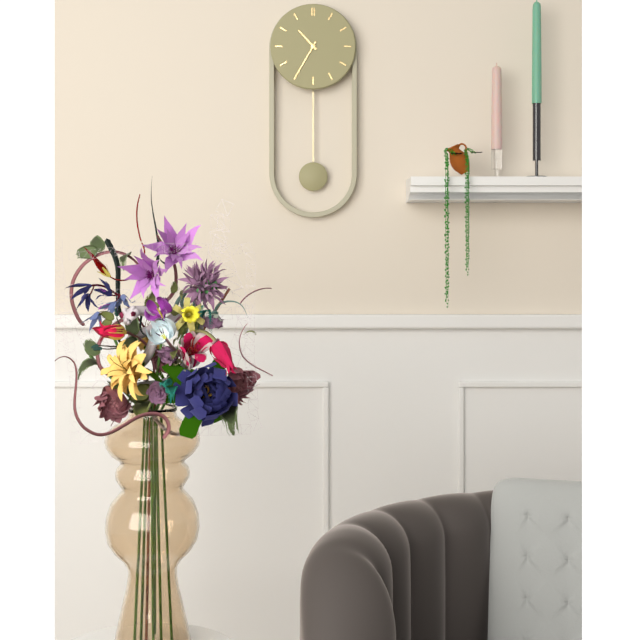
10:35
